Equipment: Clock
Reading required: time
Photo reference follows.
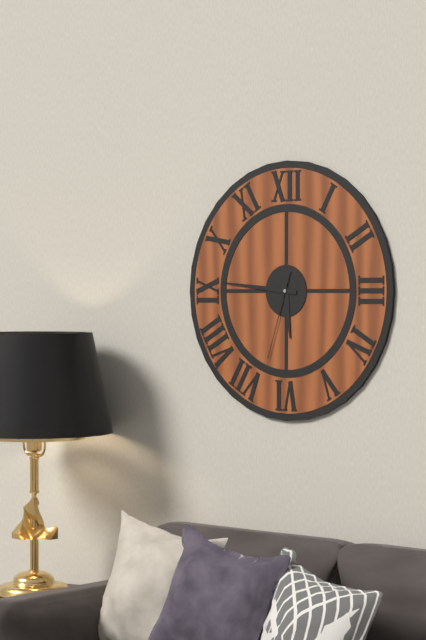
5:46:33
